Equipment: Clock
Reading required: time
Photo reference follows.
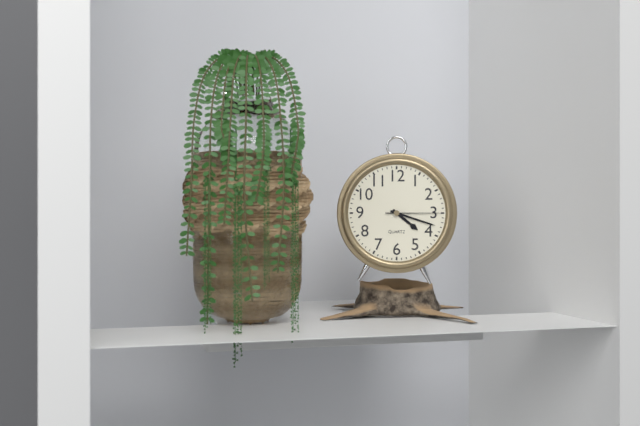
4:18:15
